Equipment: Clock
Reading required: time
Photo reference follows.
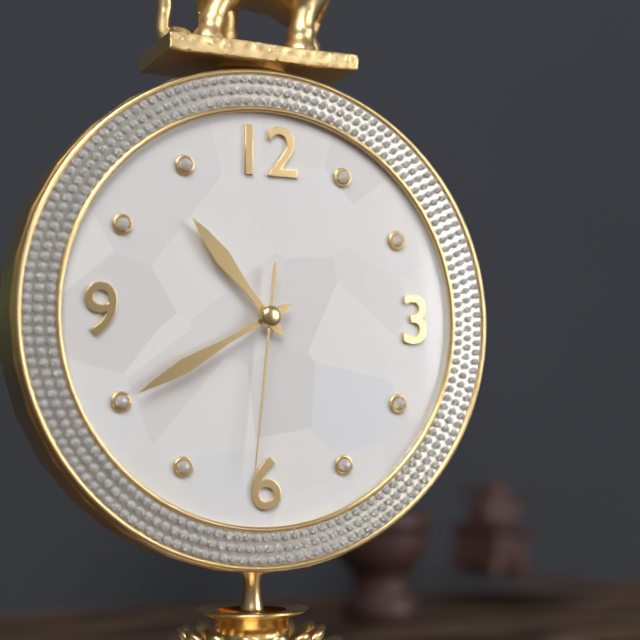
10:40:31
